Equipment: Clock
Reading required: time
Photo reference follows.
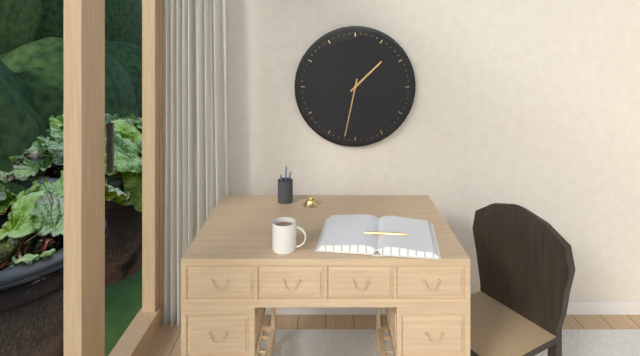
1:32
